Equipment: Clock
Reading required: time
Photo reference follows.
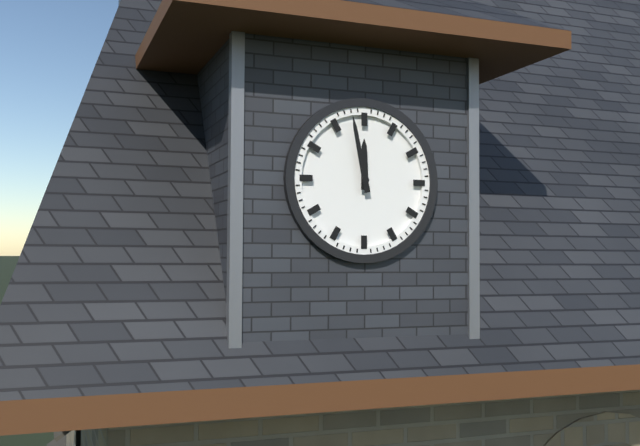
11:58
